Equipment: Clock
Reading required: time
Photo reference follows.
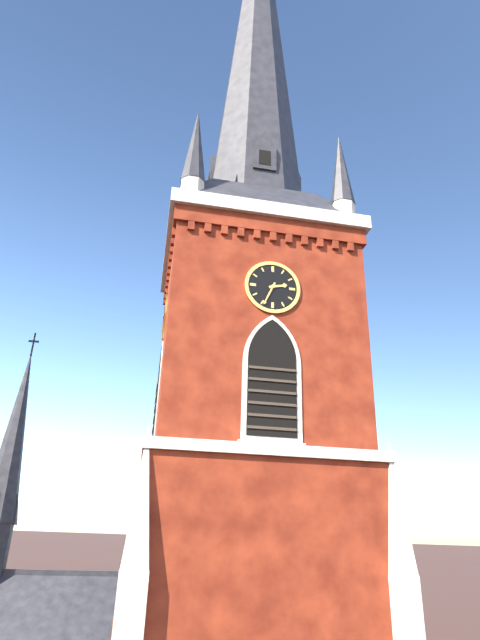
2:34
